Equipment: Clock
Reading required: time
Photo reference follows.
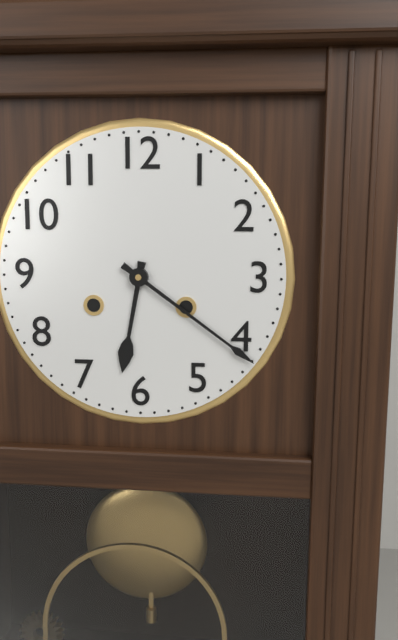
6:21
